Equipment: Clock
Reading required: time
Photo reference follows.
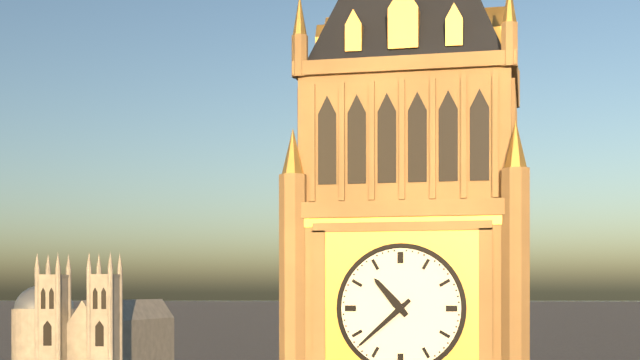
10:38
